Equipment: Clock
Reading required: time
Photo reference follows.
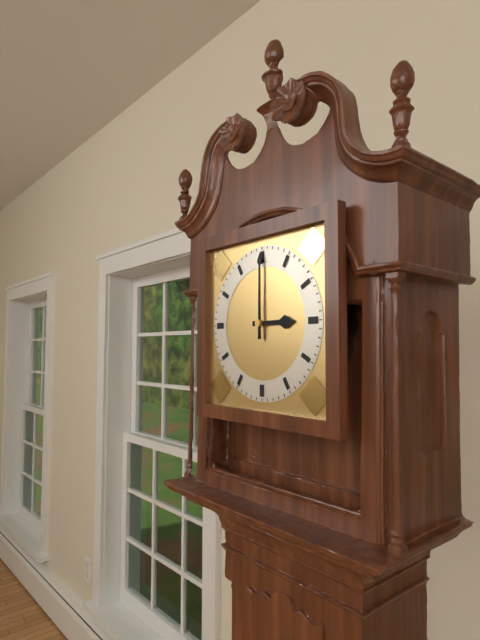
3:00
